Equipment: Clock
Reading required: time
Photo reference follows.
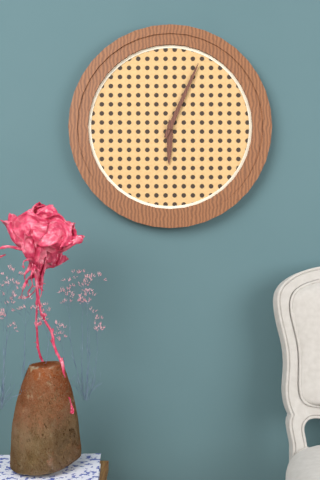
6:04
